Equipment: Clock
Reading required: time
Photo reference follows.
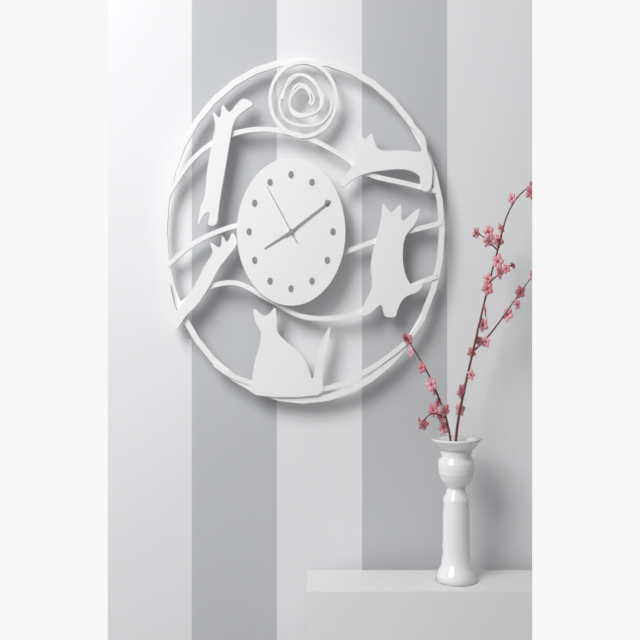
8:10:54
